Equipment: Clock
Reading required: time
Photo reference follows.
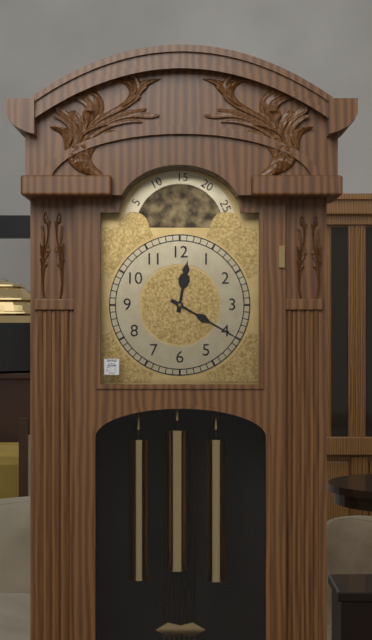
12:20
